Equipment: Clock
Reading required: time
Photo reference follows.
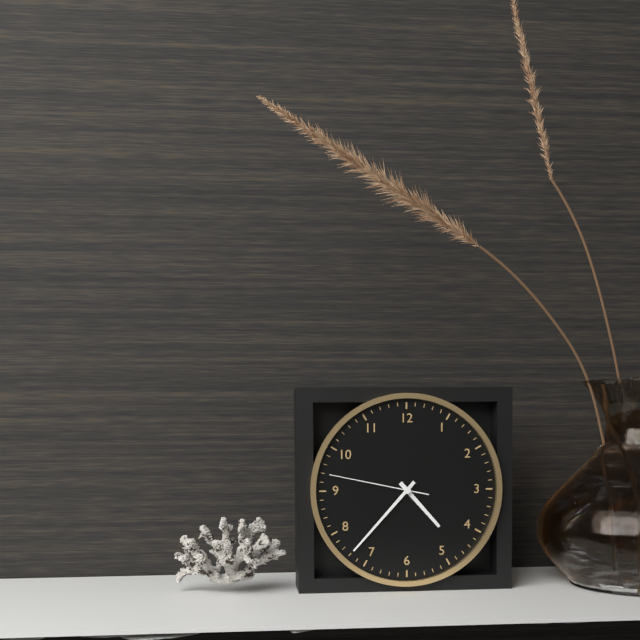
4:37:47
